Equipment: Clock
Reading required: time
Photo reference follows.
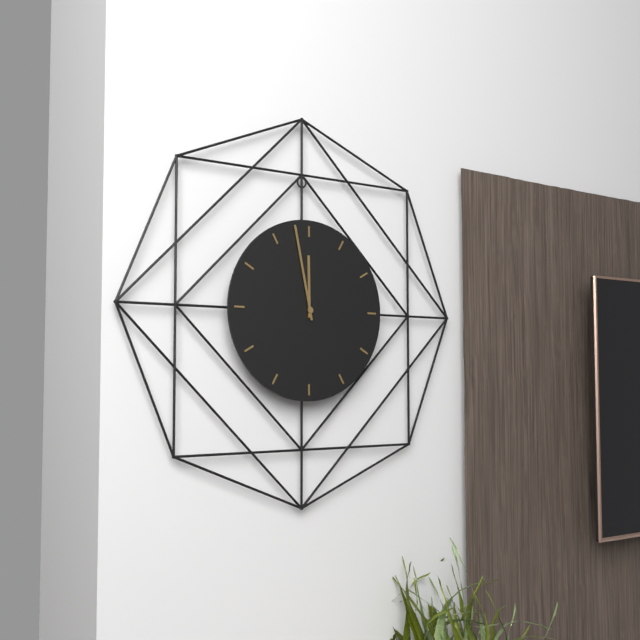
11:58
